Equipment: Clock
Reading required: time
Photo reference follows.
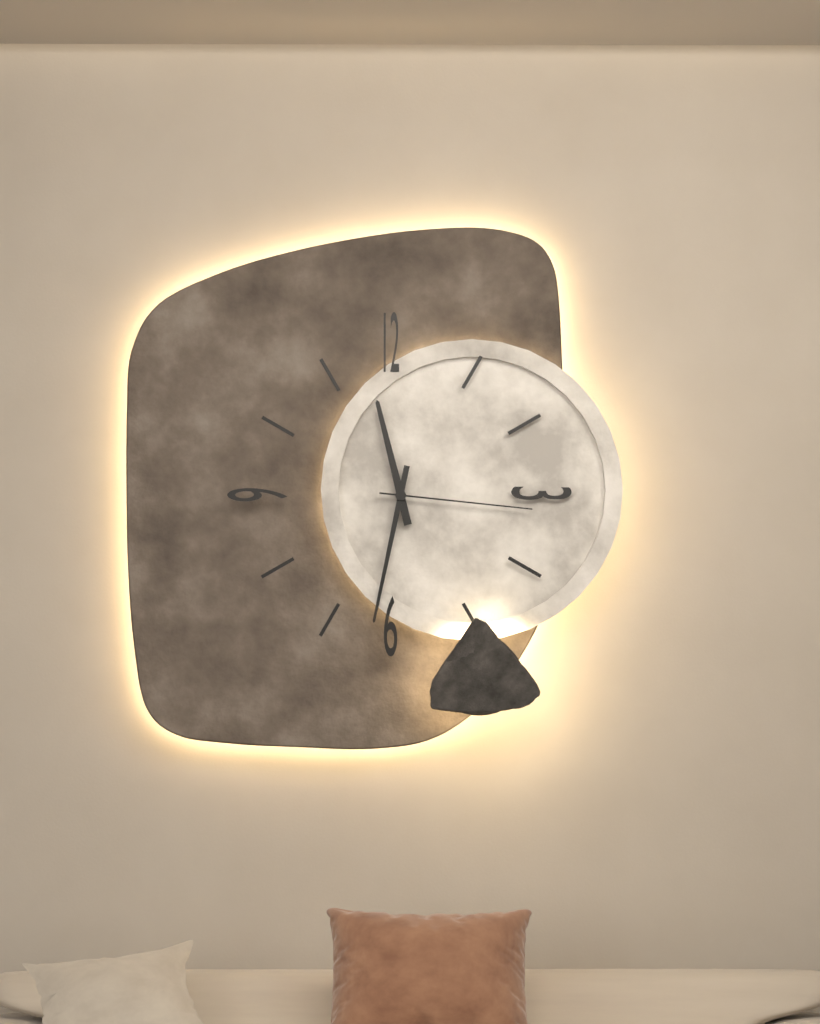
11:32:16
